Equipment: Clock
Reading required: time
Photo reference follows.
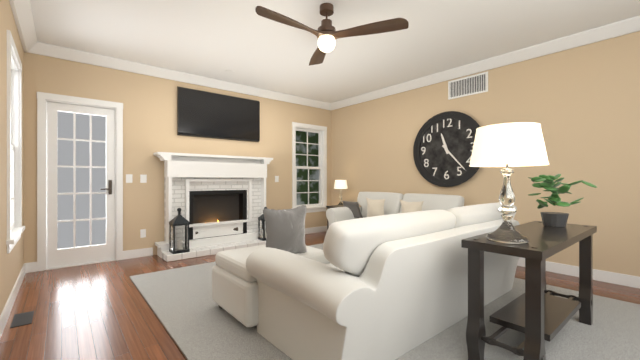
11:23
